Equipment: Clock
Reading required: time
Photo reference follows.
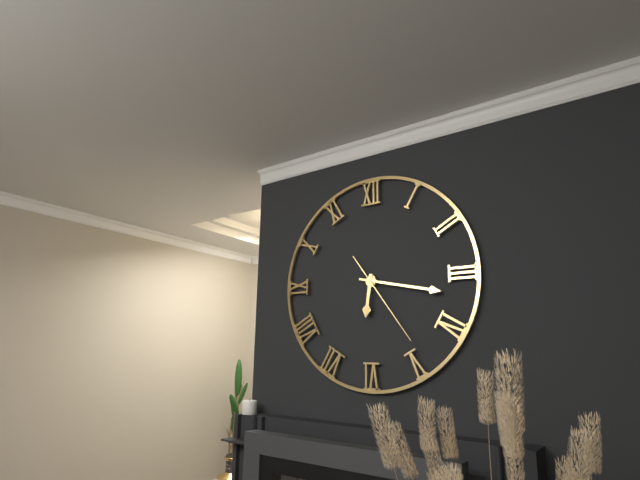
6:17:24
